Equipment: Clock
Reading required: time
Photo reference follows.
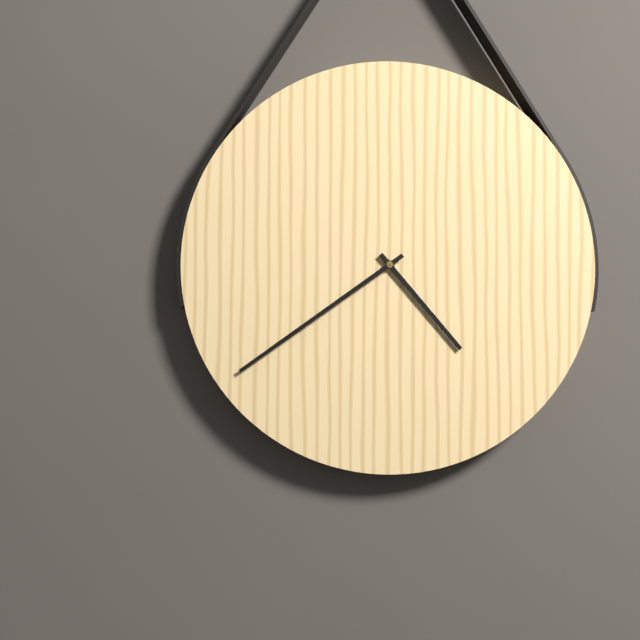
4:39
